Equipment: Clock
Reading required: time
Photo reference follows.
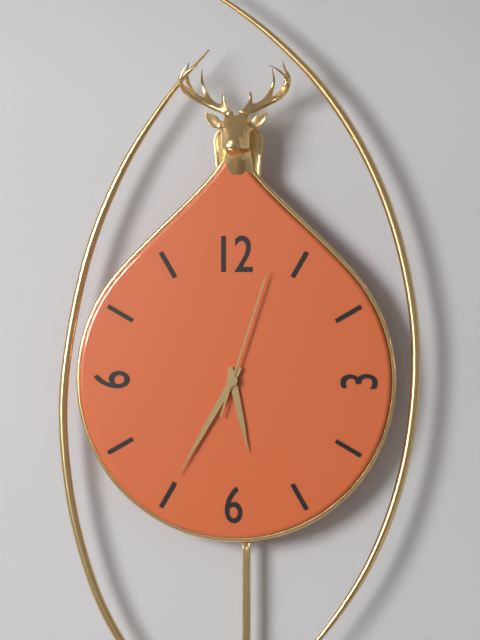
5:35:03
